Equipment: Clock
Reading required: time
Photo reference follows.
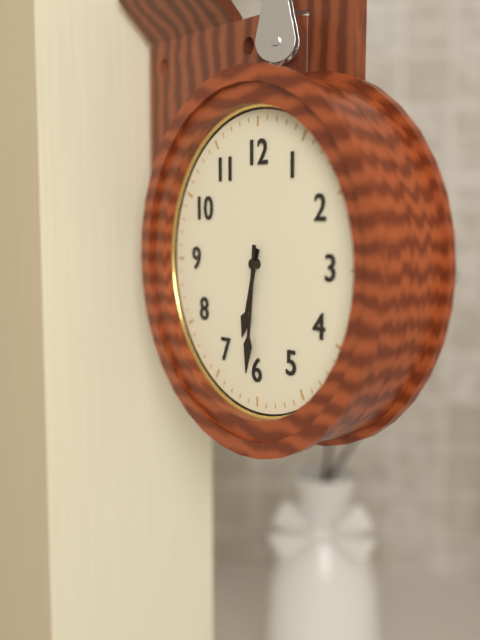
6:31
